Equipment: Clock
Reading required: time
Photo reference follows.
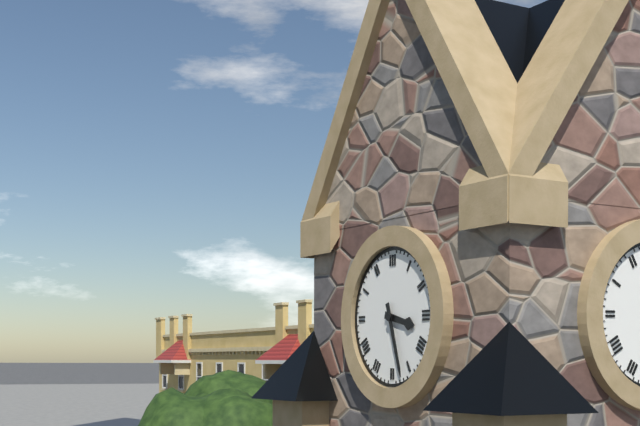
3:27
